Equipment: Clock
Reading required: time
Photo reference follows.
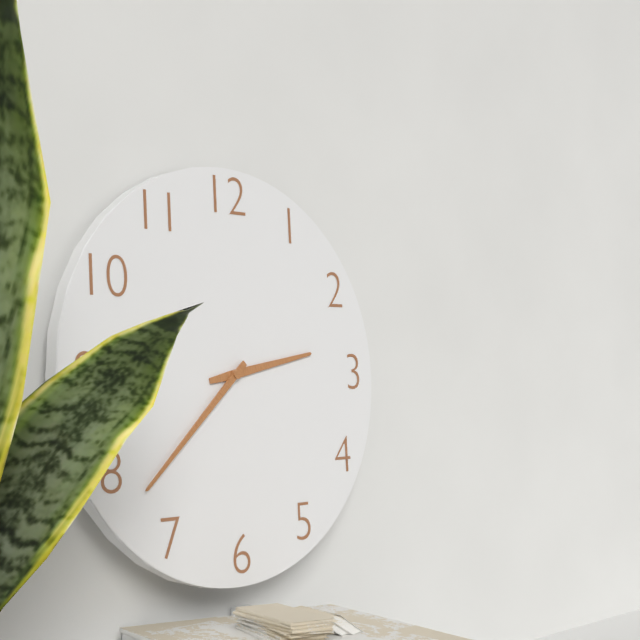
2:38
